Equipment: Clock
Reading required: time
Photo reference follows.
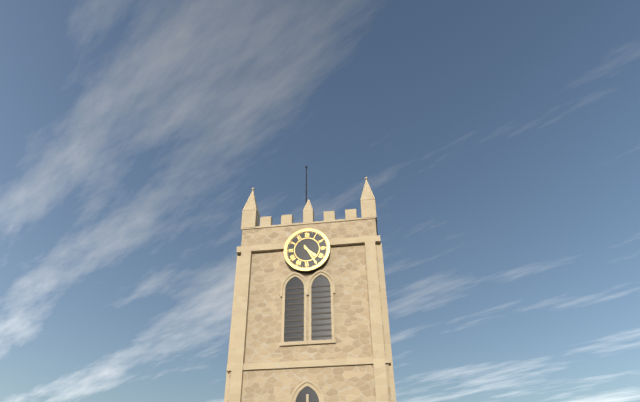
4:25
